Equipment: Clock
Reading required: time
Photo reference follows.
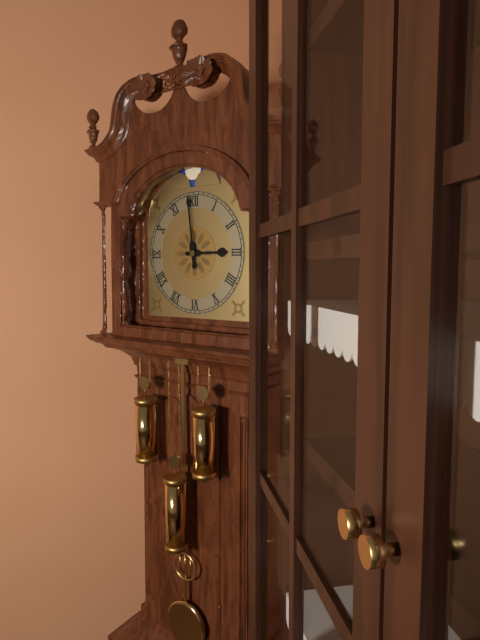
2:59
